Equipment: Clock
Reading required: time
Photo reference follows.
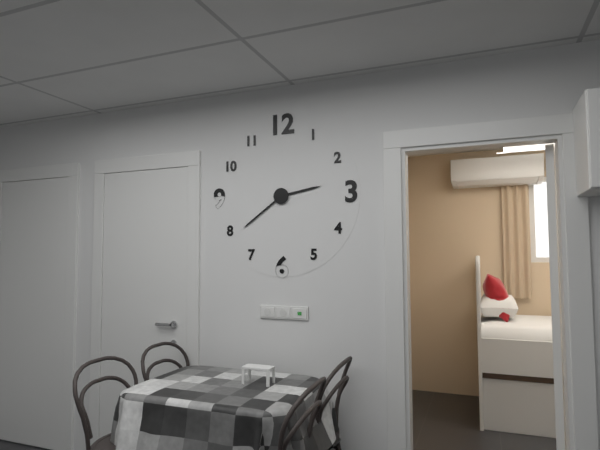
2:39
